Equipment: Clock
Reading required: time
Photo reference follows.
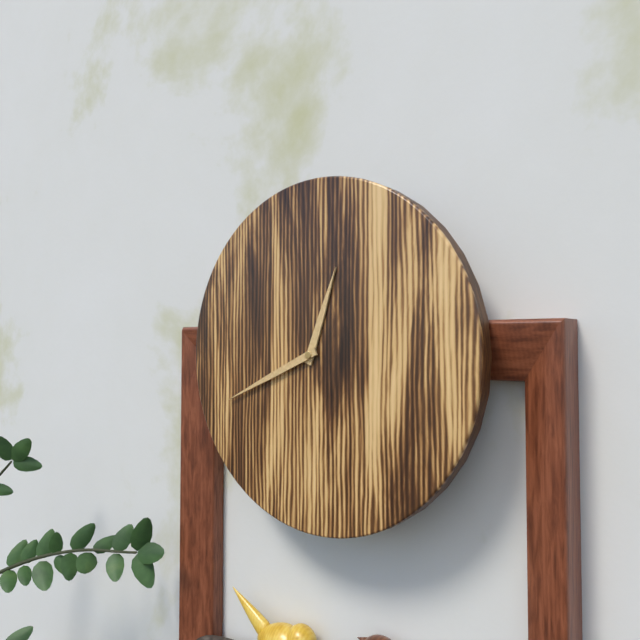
12:41
